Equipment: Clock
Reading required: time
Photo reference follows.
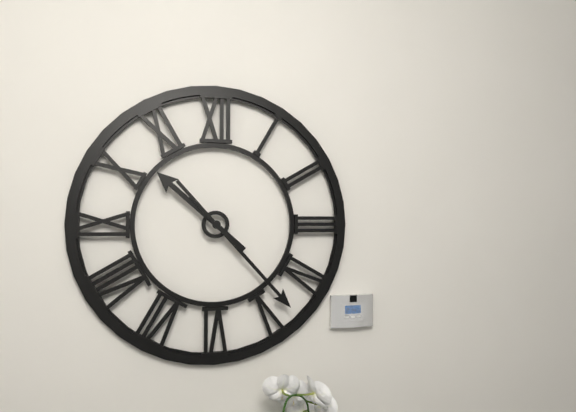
10:23
